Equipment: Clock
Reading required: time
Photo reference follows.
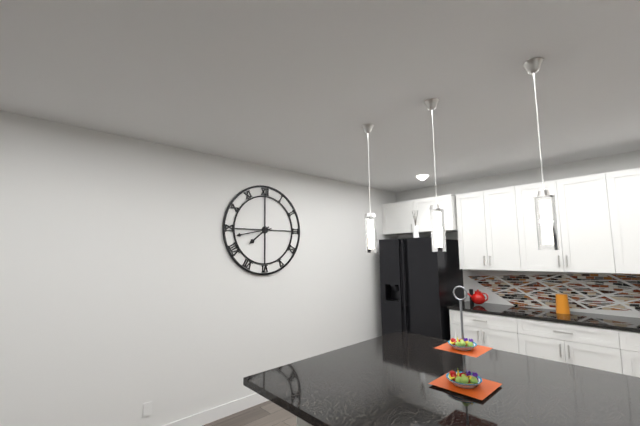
7:43
